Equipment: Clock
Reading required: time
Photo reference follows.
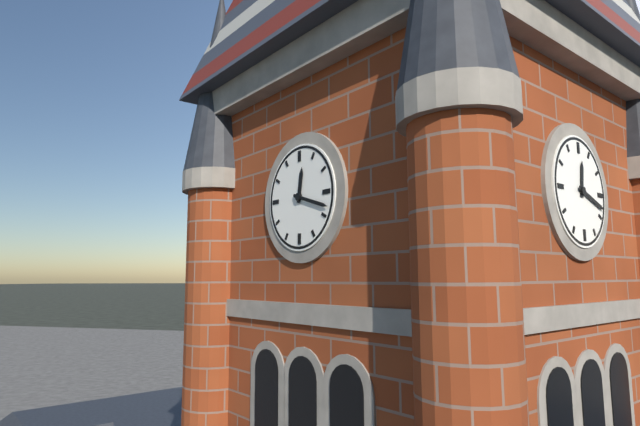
12:18
